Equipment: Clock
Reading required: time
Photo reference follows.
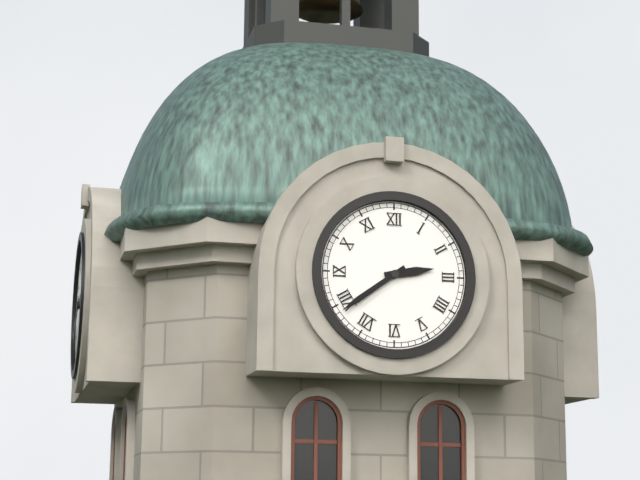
2:39
